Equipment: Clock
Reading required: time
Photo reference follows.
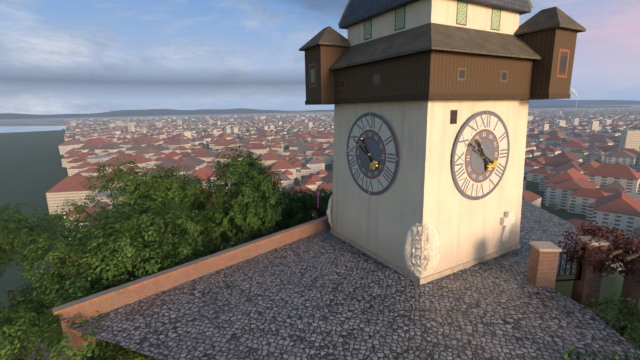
10:50
